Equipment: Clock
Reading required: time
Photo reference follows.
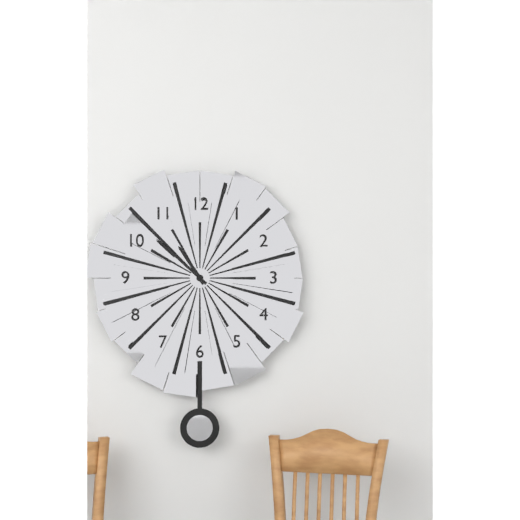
10:52
